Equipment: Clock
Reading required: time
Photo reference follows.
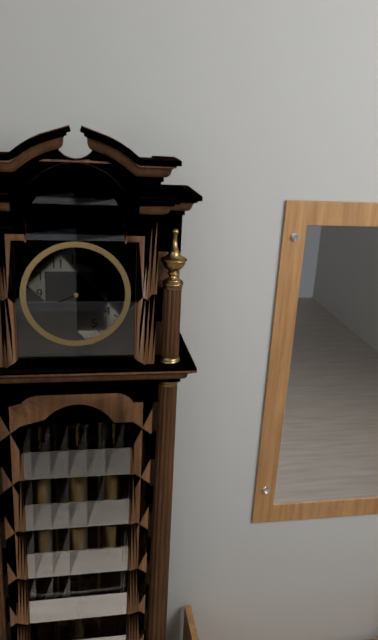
10:41
